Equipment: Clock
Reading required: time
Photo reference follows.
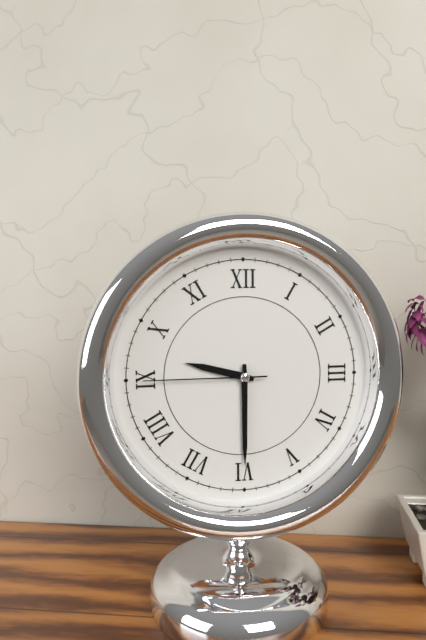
9:30:45
